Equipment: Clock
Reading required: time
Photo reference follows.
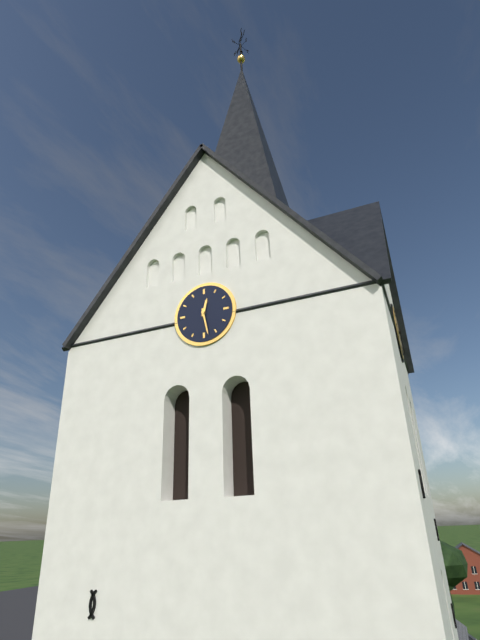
12:28
